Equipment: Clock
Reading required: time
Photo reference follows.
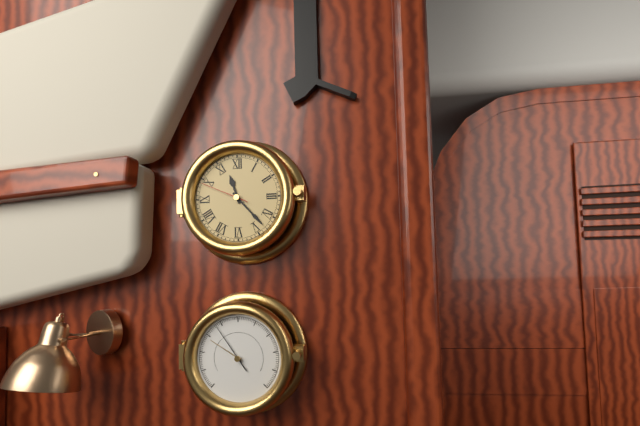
11:23:49
